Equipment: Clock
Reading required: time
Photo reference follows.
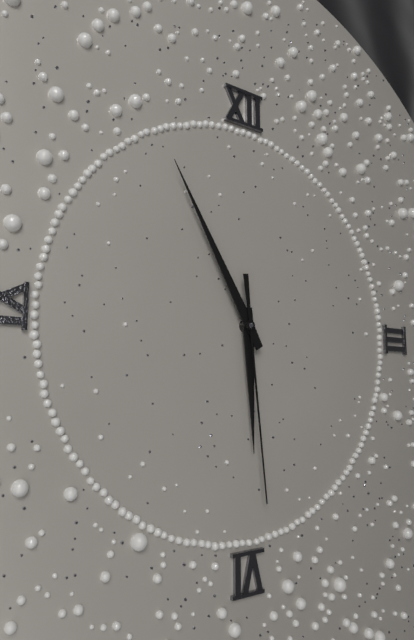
5:55:29
